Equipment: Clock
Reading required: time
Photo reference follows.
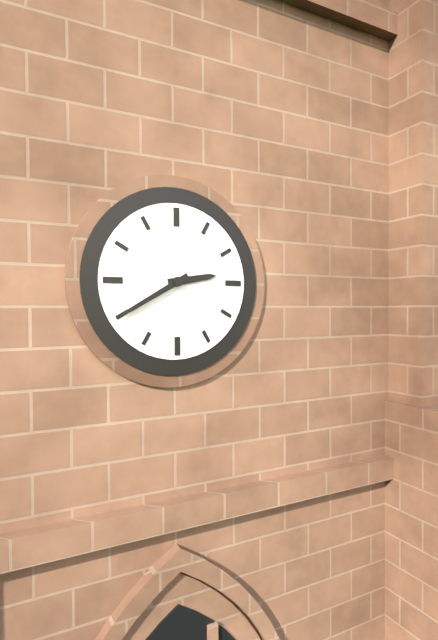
2:40
